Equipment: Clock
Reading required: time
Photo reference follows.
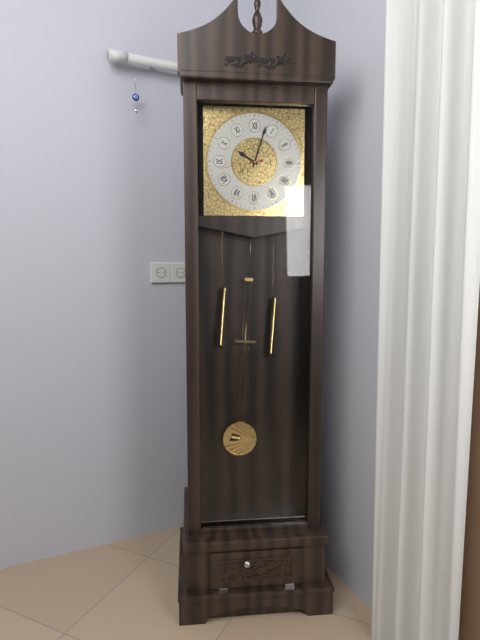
10:03
